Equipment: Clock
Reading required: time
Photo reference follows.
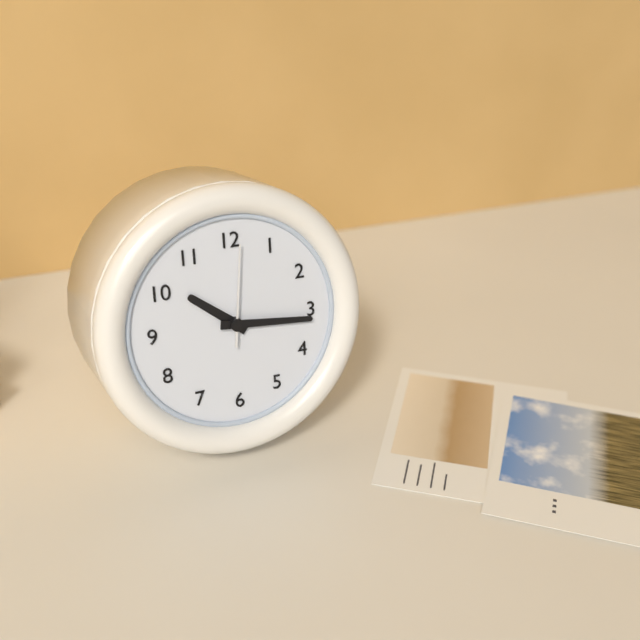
10:16:01
